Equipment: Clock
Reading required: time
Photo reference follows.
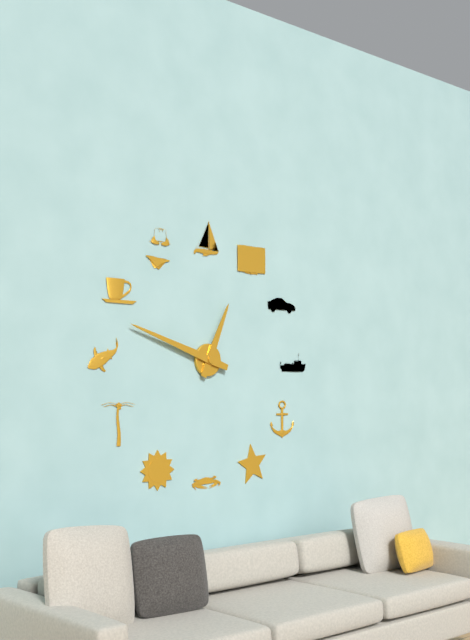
12:48
